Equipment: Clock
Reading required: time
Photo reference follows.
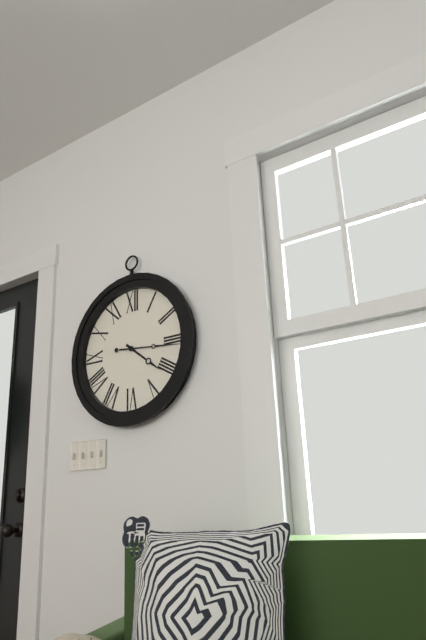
4:16
